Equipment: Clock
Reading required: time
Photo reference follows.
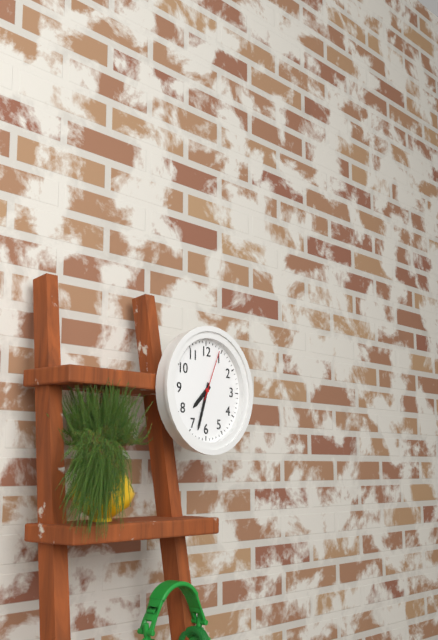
7:33:04
